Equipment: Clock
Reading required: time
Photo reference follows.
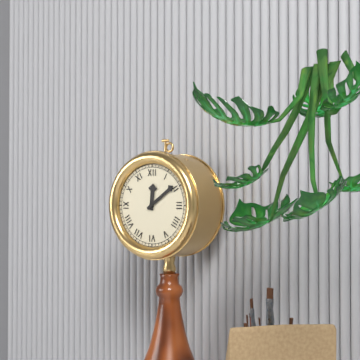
12:09
